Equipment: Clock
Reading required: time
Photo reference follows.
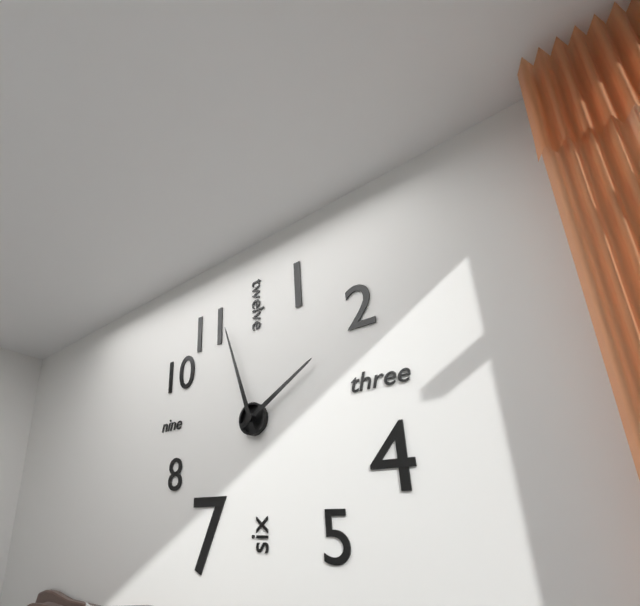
1:57
